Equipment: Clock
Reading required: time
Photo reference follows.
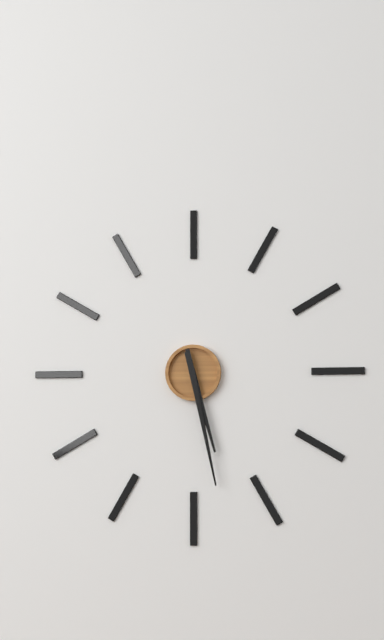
5:28
